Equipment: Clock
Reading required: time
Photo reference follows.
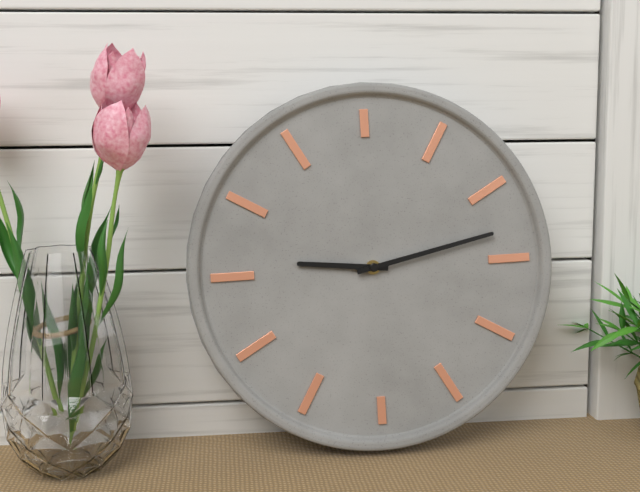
9:13
